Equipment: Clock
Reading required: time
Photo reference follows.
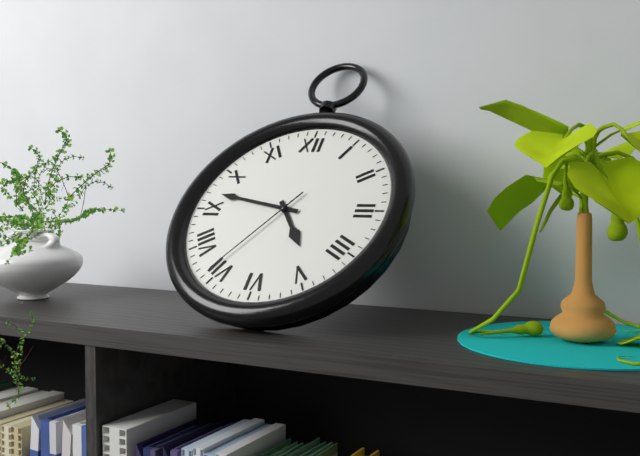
4:47:36
